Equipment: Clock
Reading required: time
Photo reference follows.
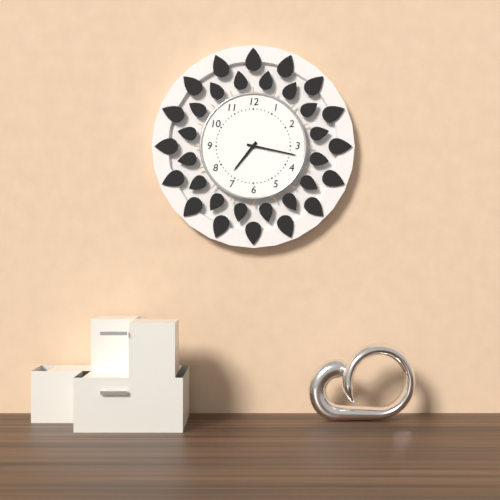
7:17
